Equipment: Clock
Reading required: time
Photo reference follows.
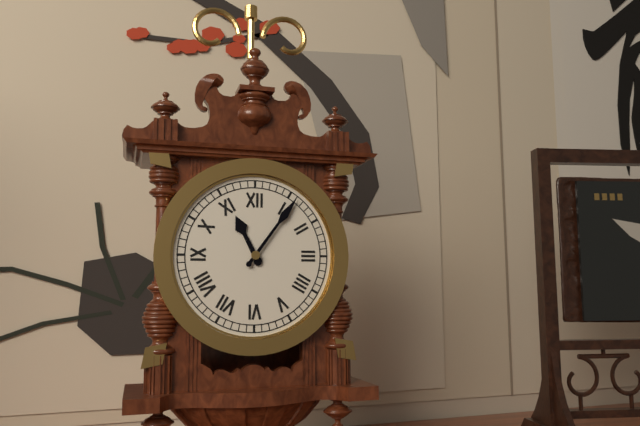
11:06
